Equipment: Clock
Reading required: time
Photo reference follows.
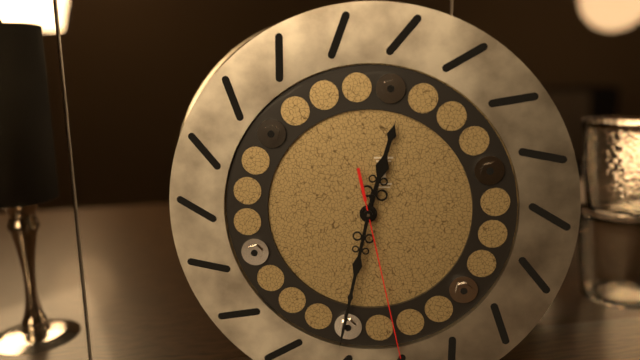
12:32:28
